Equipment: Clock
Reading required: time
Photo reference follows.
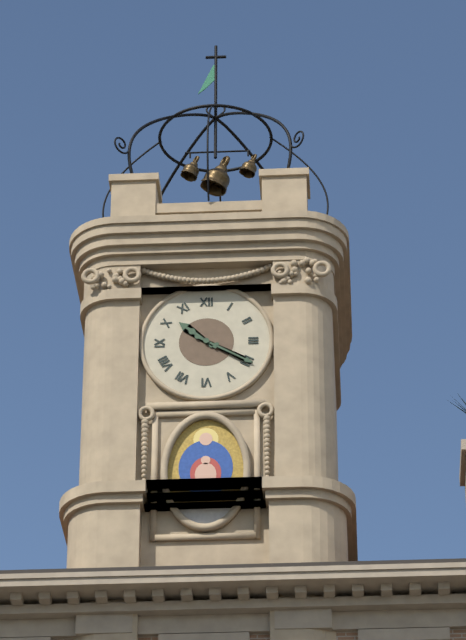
10:20
